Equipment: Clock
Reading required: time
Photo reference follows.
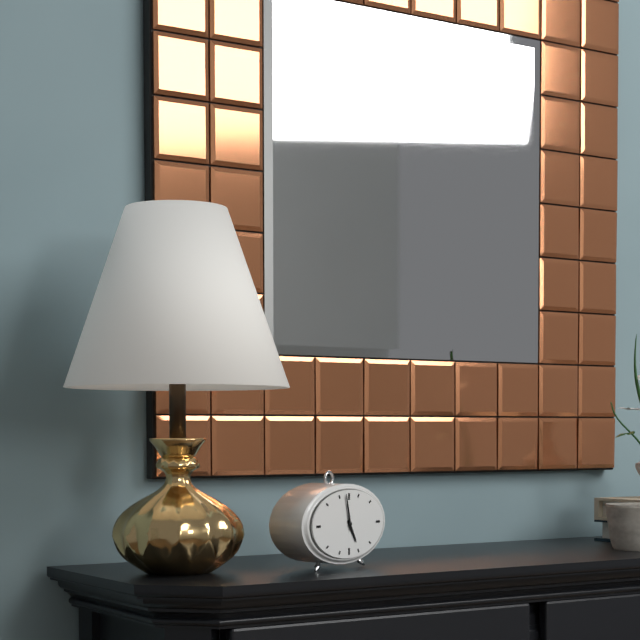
4:58
